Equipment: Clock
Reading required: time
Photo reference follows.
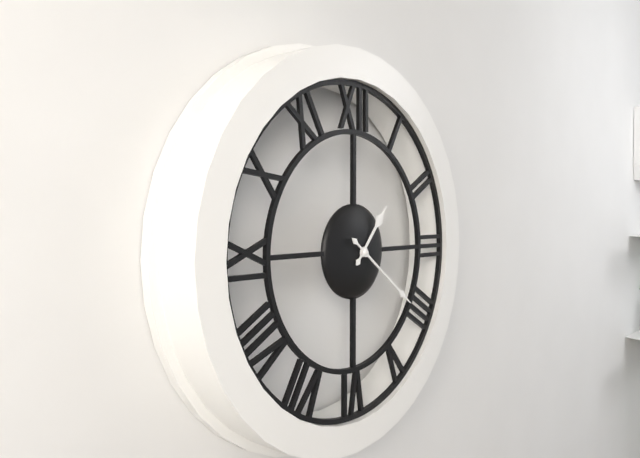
1:21
